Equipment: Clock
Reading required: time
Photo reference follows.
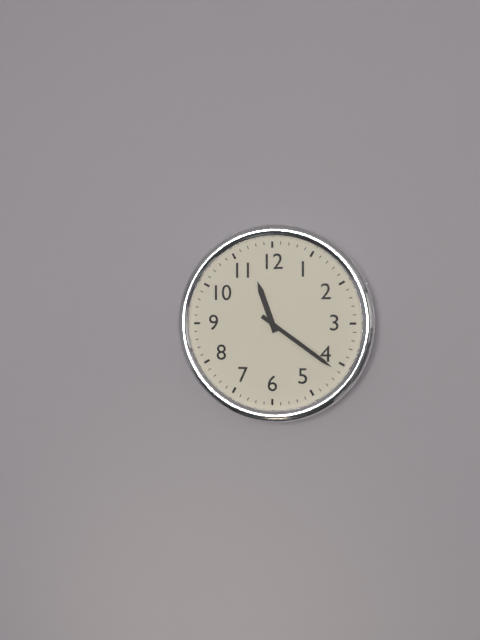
11:21
